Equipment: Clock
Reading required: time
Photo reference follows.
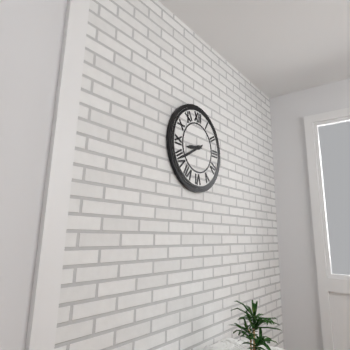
8:40
